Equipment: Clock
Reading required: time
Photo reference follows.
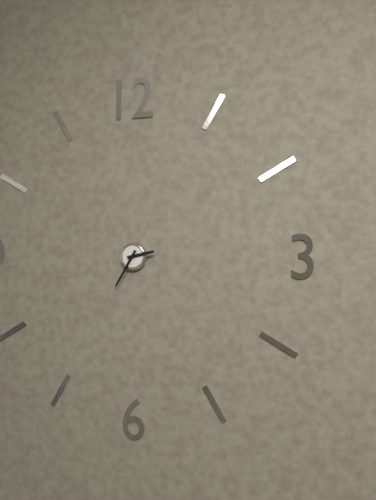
2:35
